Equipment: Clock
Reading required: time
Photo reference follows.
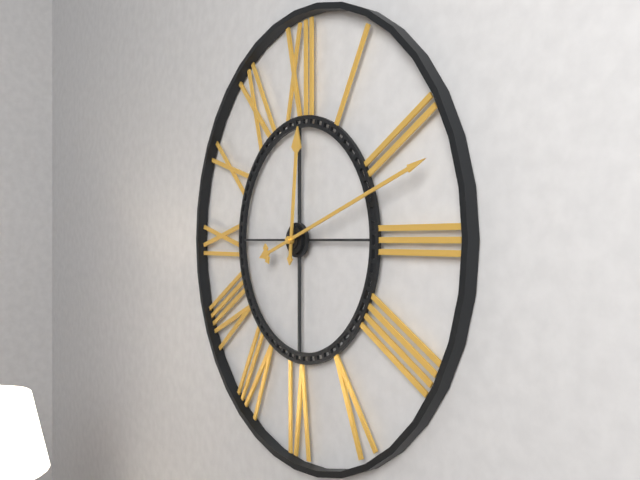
12:12
